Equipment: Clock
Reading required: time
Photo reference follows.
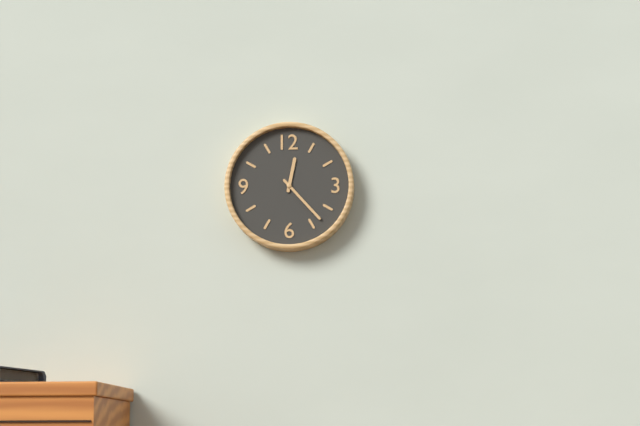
12:23
